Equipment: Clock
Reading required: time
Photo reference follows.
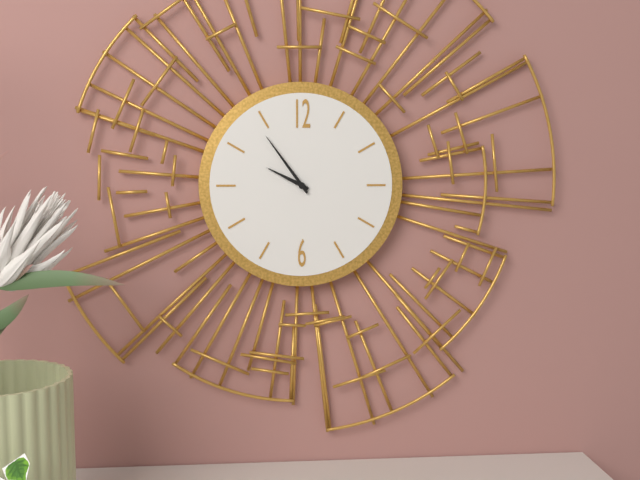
9:54
